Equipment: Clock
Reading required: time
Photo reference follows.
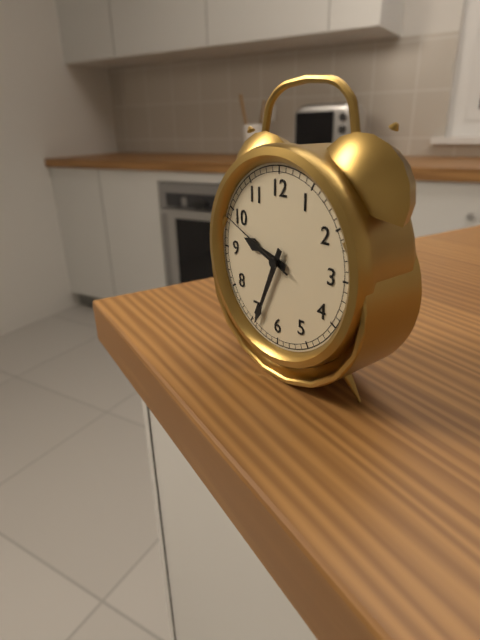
9:34:49
